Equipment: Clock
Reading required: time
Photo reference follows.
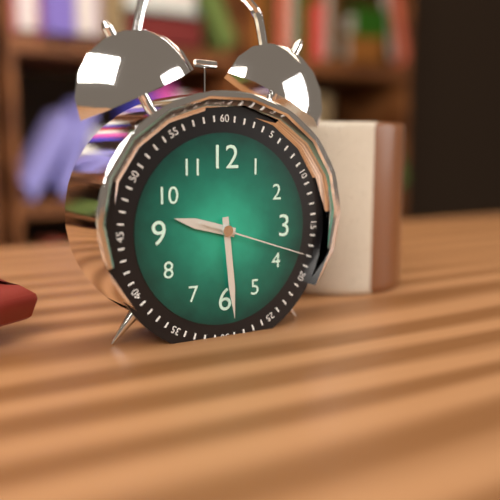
9:29:18
